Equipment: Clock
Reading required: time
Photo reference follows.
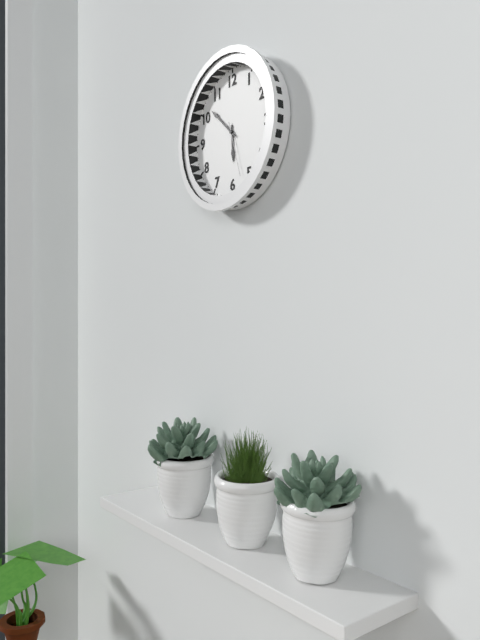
5:52:27
